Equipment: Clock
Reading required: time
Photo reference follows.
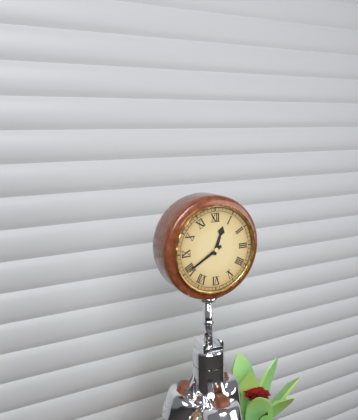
12:40
